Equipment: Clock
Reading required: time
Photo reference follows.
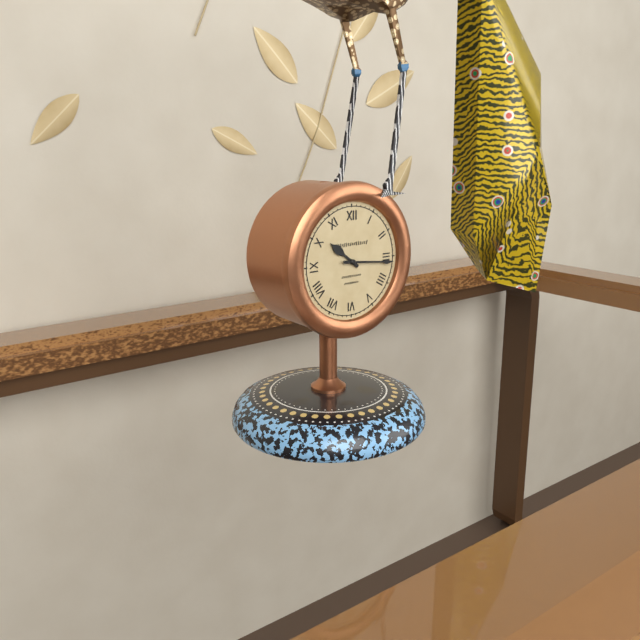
10:16
